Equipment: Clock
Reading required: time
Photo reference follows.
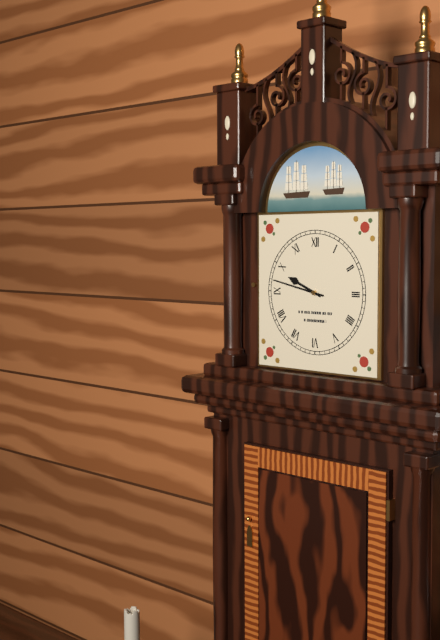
9:47
